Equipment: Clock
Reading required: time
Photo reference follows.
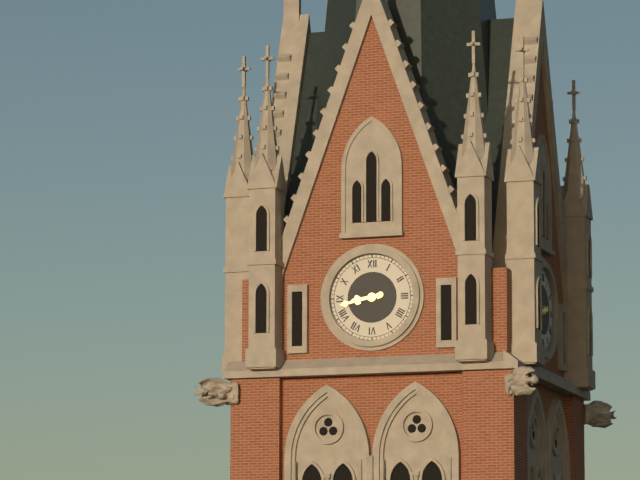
8:43
